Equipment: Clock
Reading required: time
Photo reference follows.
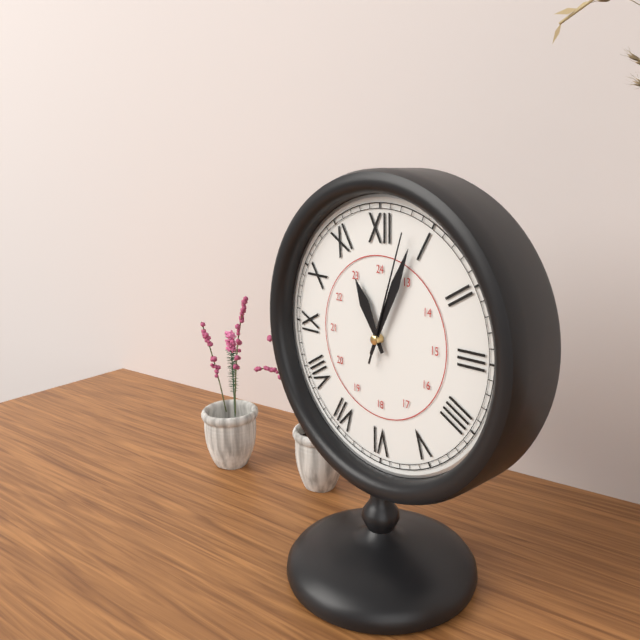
11:04:03
